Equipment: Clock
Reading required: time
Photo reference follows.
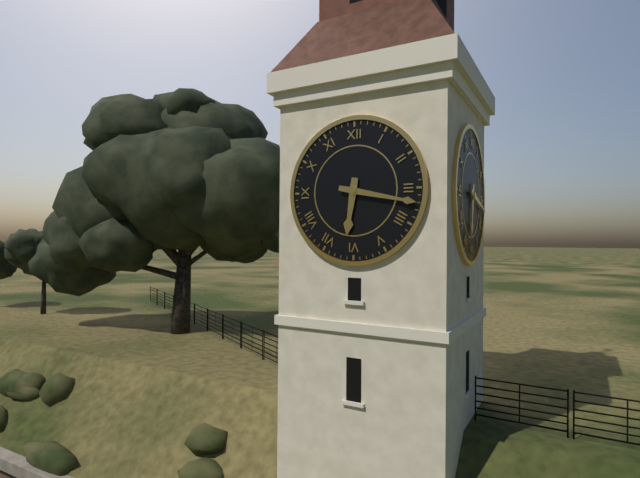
6:17
